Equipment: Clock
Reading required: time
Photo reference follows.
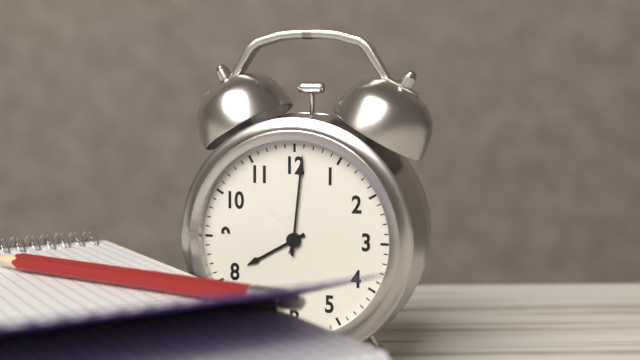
8:01
